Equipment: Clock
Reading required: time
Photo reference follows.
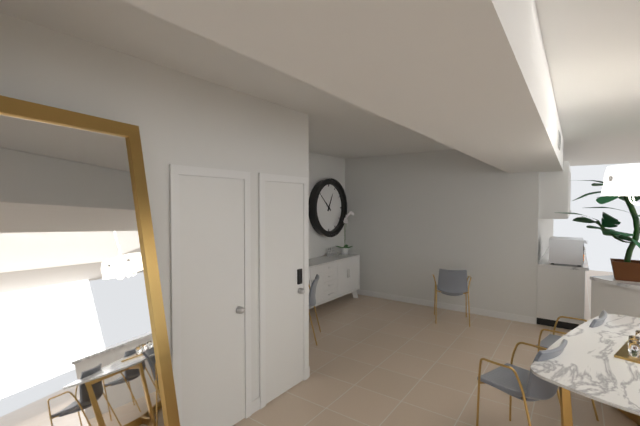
12:52
